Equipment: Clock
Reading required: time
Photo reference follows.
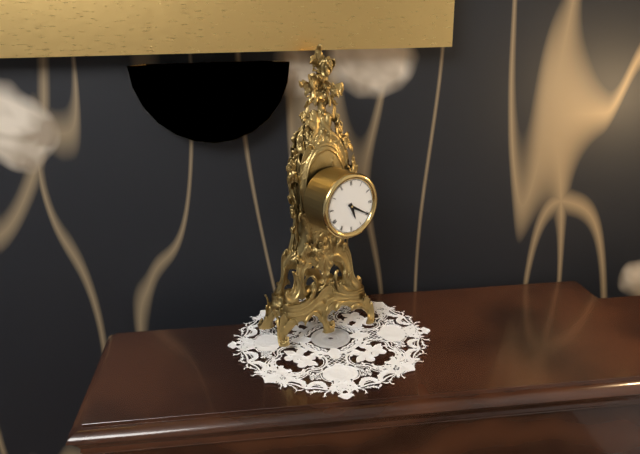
5:20
